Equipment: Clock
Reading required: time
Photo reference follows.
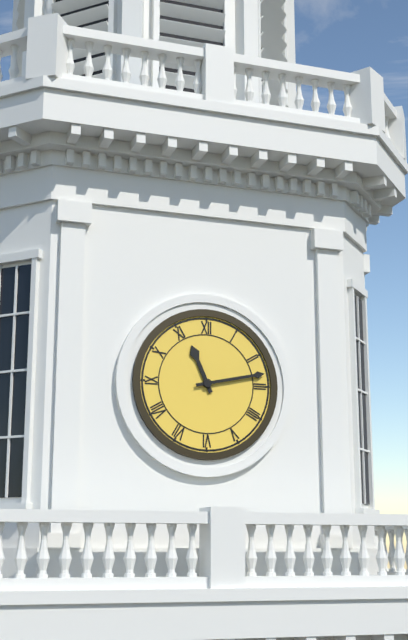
11:13
